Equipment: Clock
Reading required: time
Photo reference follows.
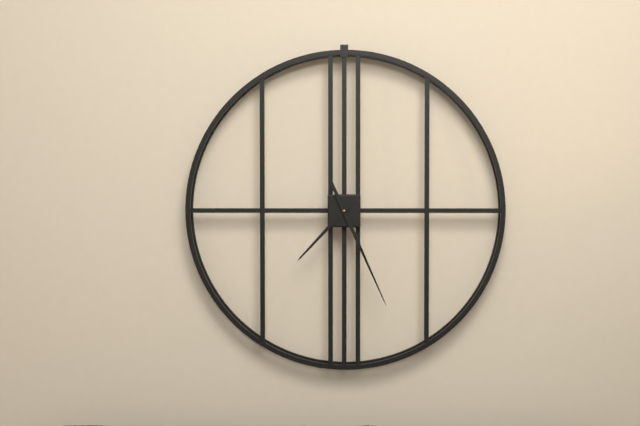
7:26
